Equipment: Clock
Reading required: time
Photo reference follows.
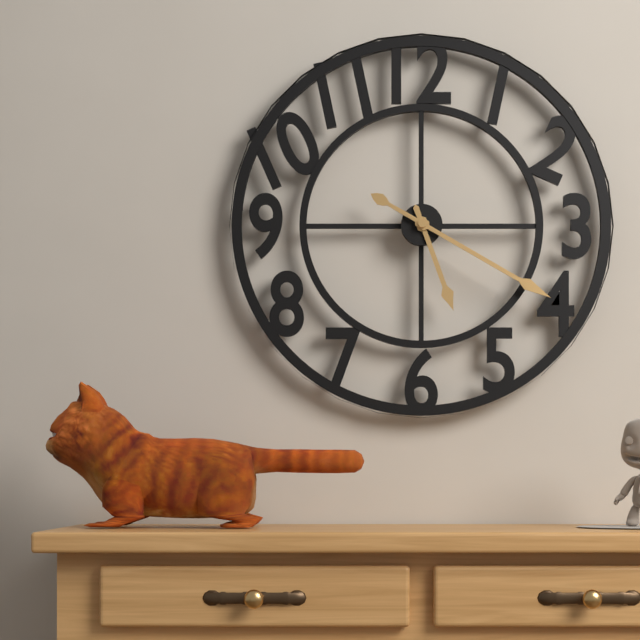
5:20
